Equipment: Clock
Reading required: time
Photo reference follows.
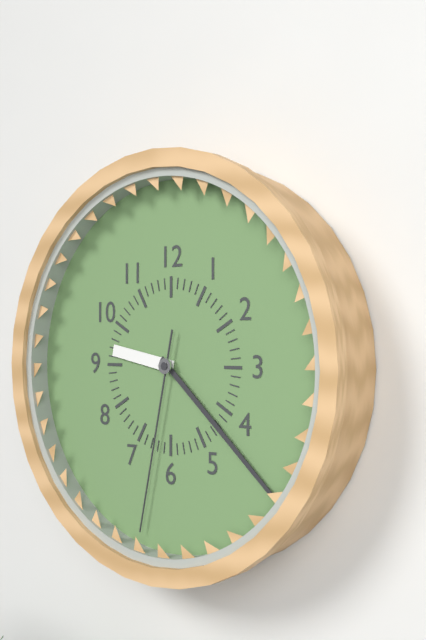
9:22:32
